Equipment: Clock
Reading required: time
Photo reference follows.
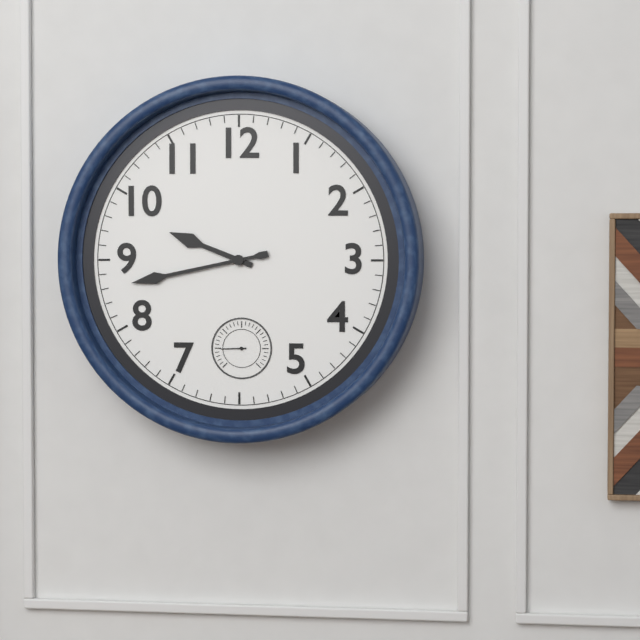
9:43
